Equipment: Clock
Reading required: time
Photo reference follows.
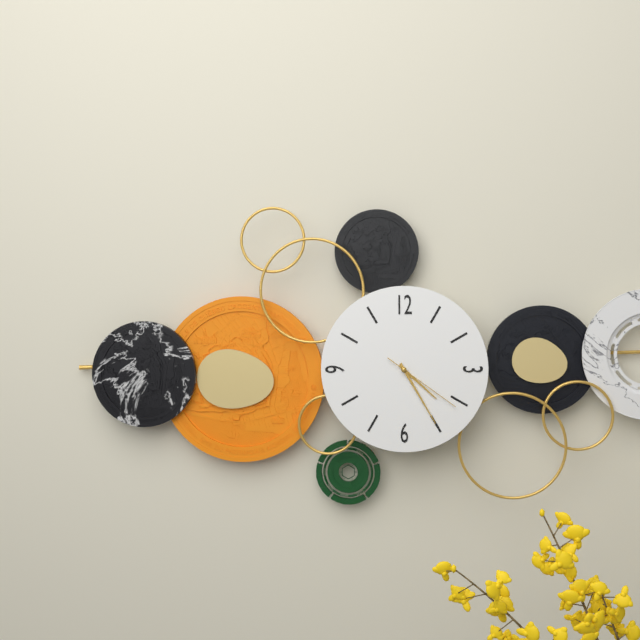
4:25:21
